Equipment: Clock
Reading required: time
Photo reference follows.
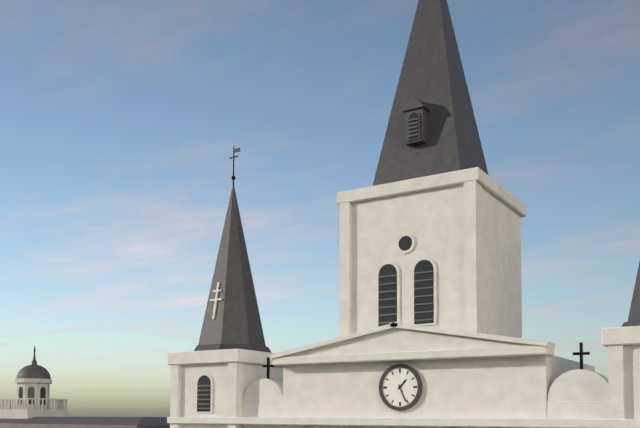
1:26
